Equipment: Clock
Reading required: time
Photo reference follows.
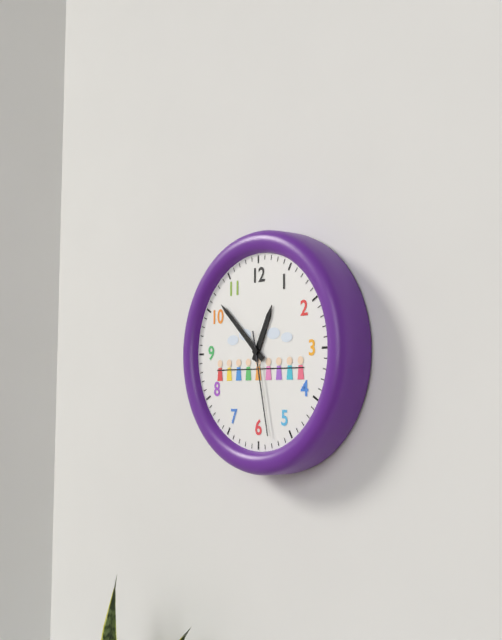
12:52:28
